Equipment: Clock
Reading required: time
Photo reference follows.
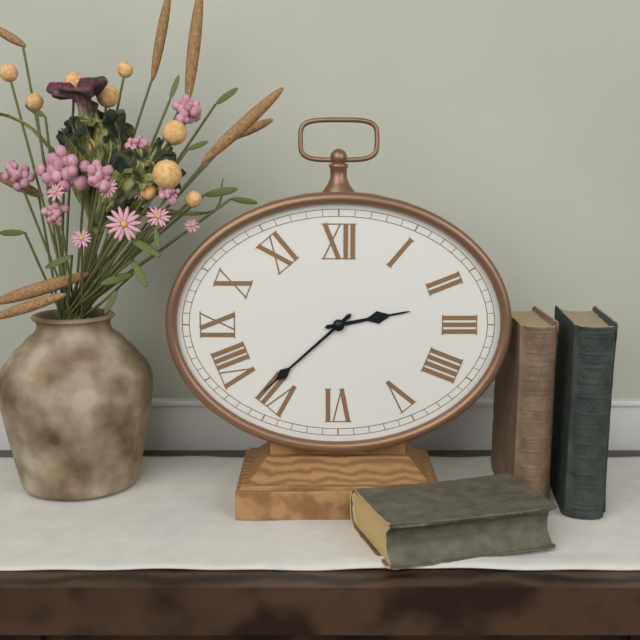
2:38
